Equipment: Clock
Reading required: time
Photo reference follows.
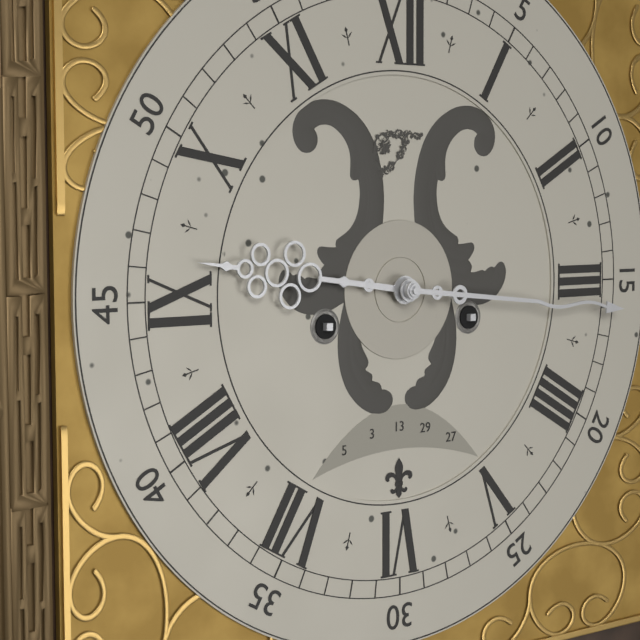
9:16
